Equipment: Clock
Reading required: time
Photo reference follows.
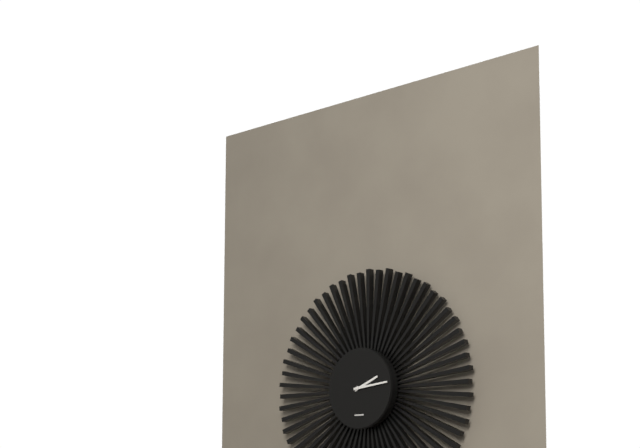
2:14
